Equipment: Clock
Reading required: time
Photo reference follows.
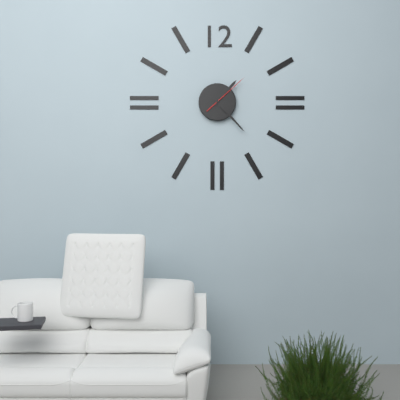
1:23
